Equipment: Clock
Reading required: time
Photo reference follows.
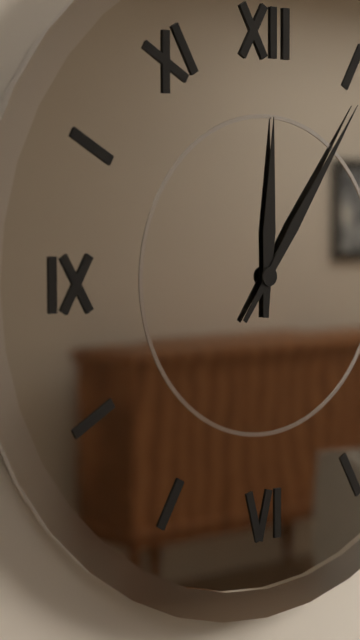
12:06
